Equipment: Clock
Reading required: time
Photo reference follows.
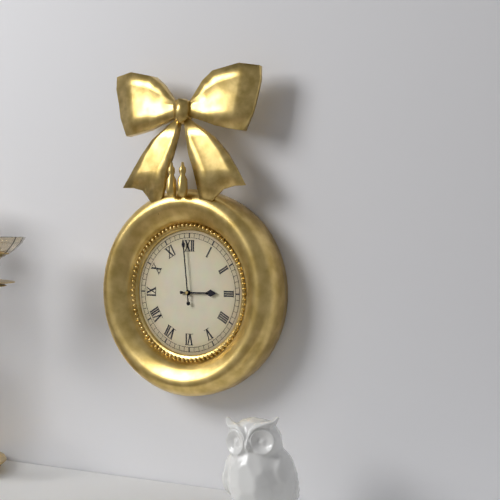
2:59
